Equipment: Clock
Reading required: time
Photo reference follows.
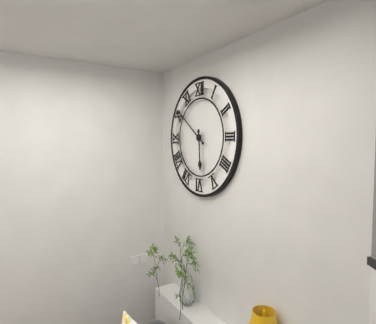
5:51
